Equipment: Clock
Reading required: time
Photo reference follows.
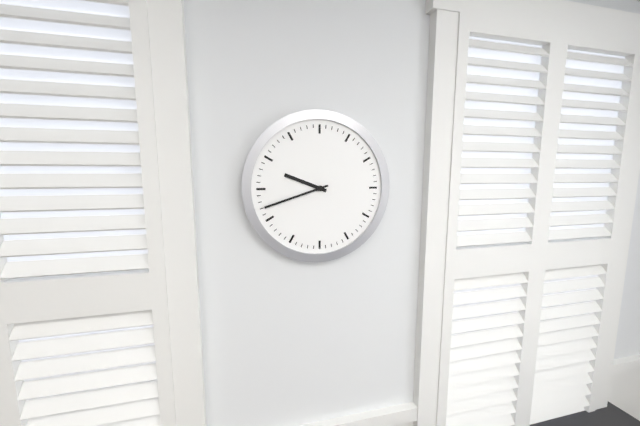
9:42
